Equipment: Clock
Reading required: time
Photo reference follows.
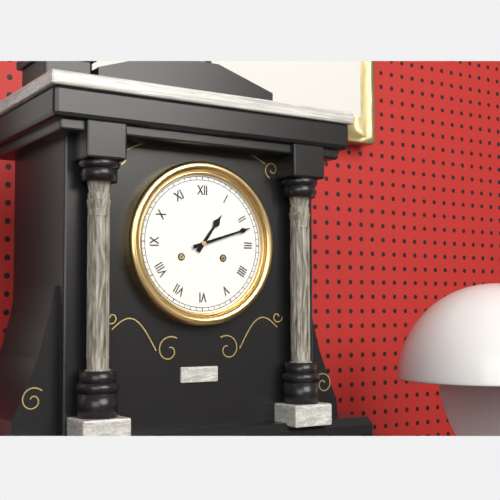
1:12
